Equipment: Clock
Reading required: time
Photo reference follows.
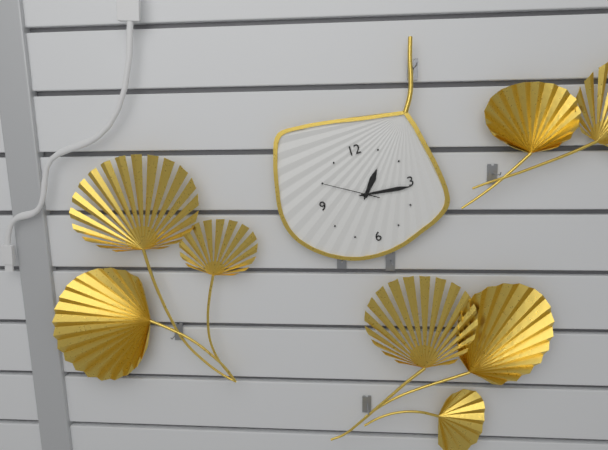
1:16:50
